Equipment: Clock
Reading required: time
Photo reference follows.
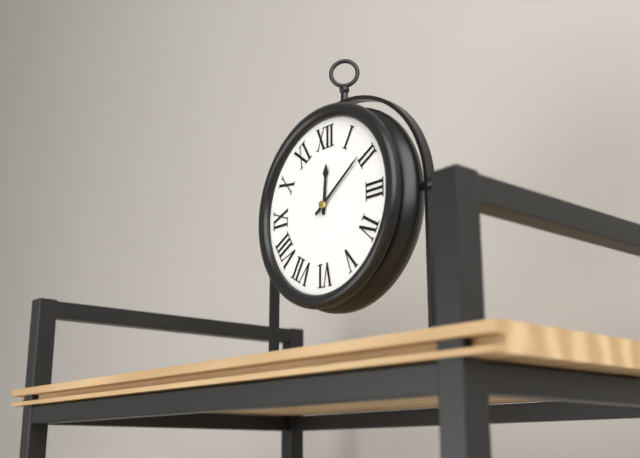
12:09
